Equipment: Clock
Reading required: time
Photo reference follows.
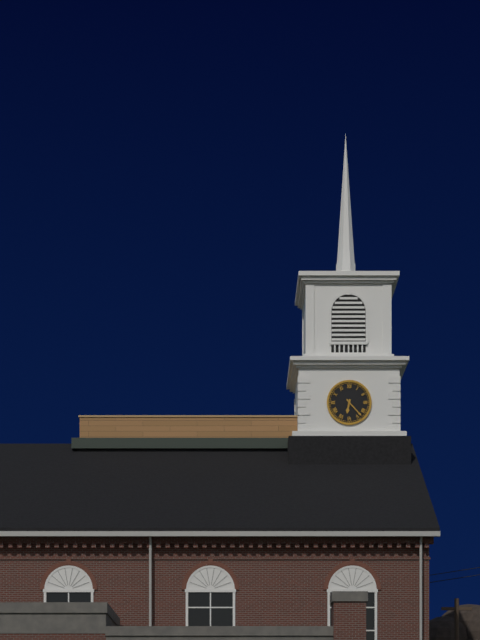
6:23
